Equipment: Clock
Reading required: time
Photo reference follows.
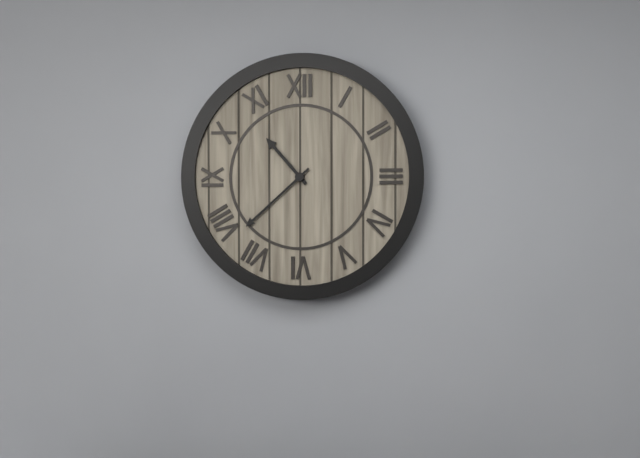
10:38
